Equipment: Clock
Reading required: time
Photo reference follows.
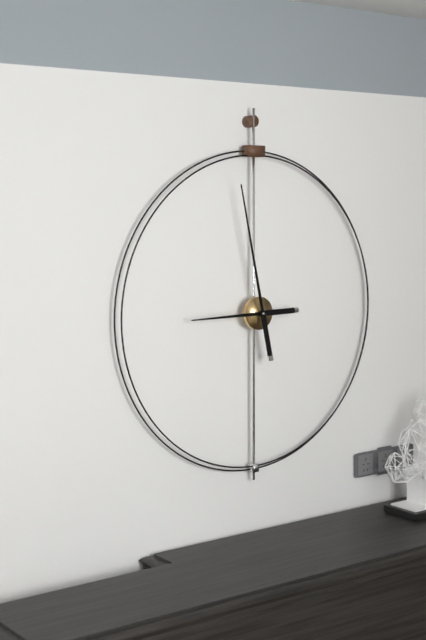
8:58
